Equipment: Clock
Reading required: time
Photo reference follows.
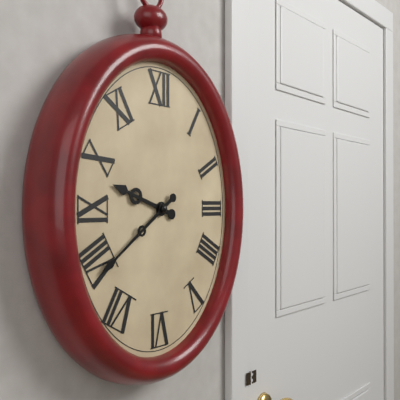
9:39
